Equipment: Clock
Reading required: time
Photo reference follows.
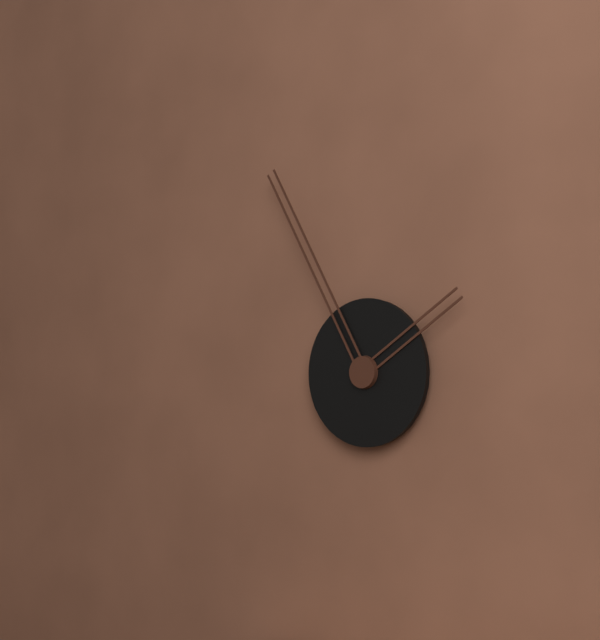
1:55
